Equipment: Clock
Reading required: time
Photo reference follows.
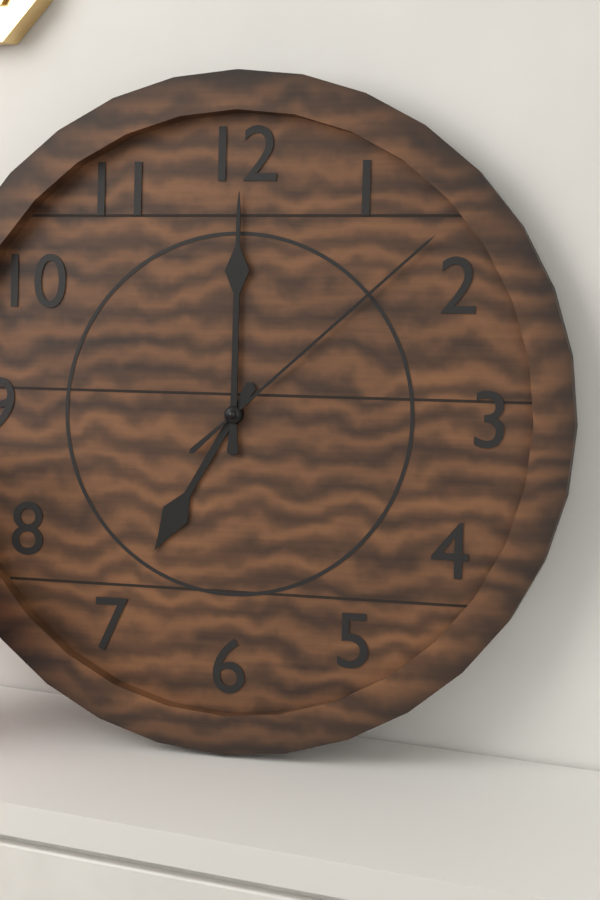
7:00:08
